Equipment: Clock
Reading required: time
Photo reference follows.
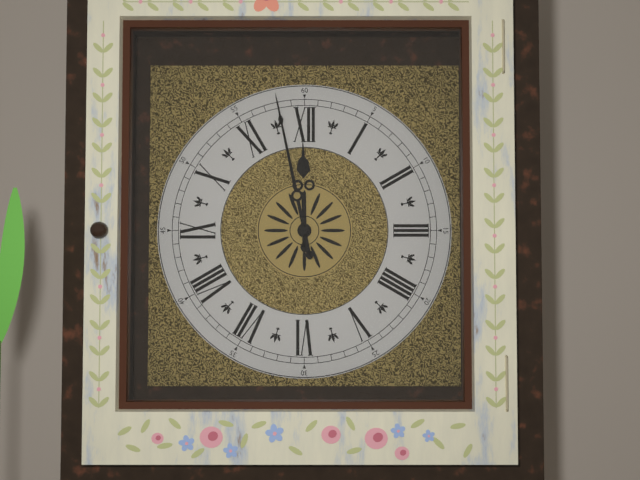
11:58
